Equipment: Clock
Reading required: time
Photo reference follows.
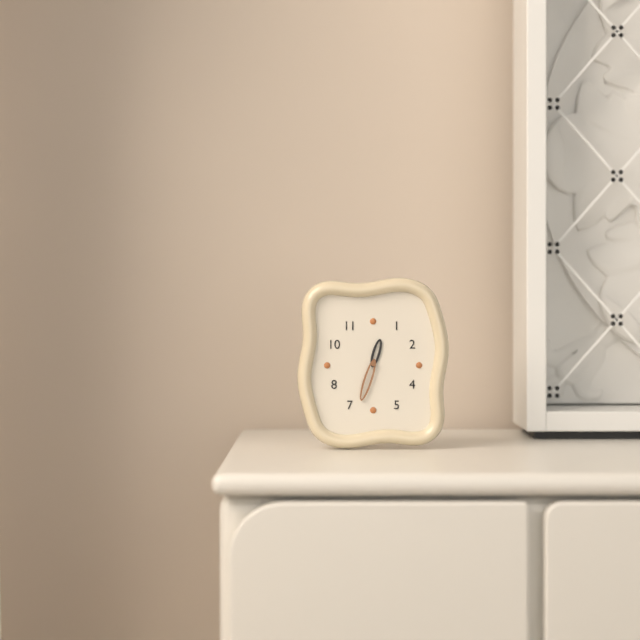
12:33
